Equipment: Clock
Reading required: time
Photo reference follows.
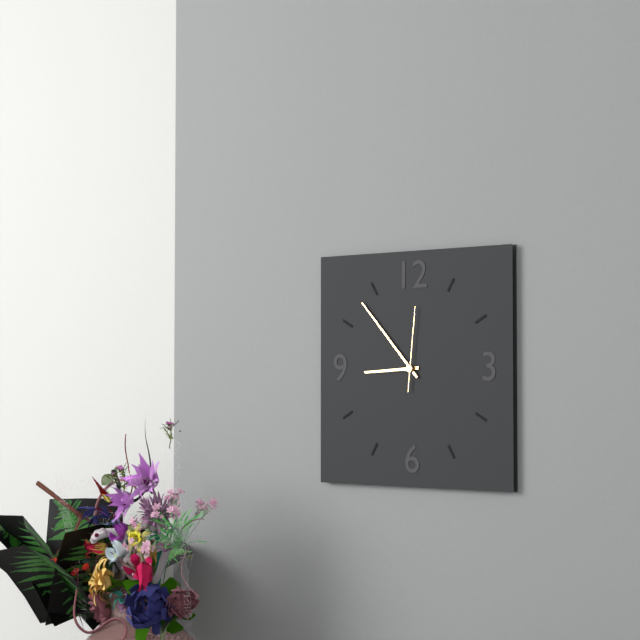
8:53:01
